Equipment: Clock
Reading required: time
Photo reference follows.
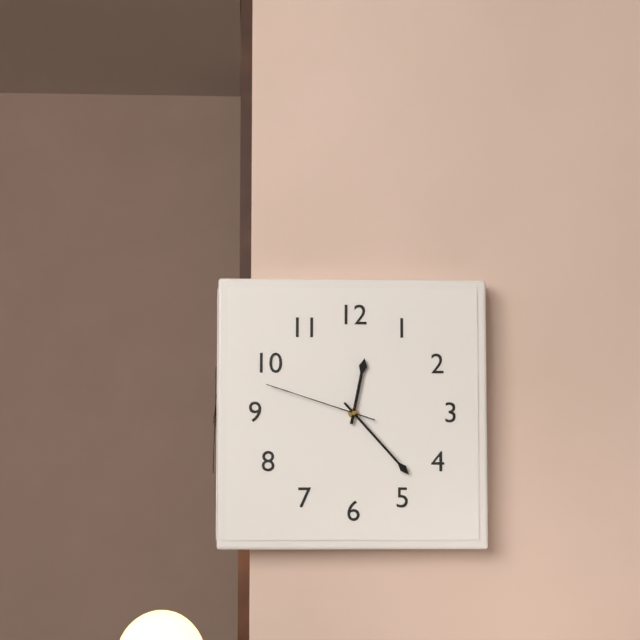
12:23:48
